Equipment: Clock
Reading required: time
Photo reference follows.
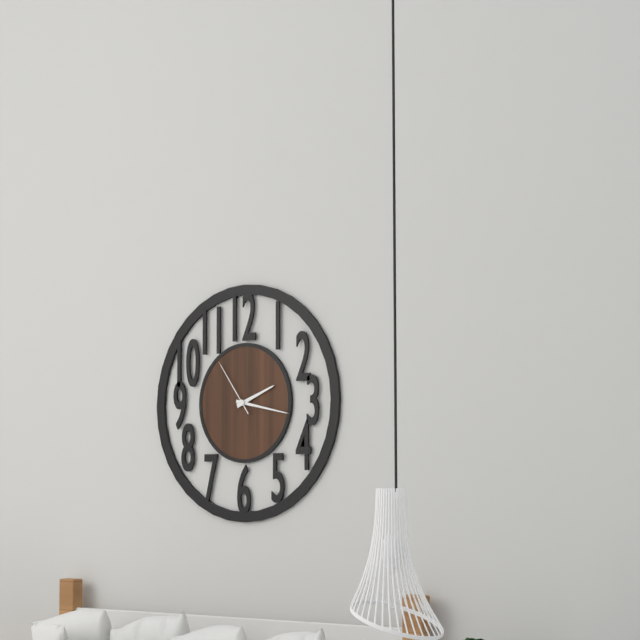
2:17:54
